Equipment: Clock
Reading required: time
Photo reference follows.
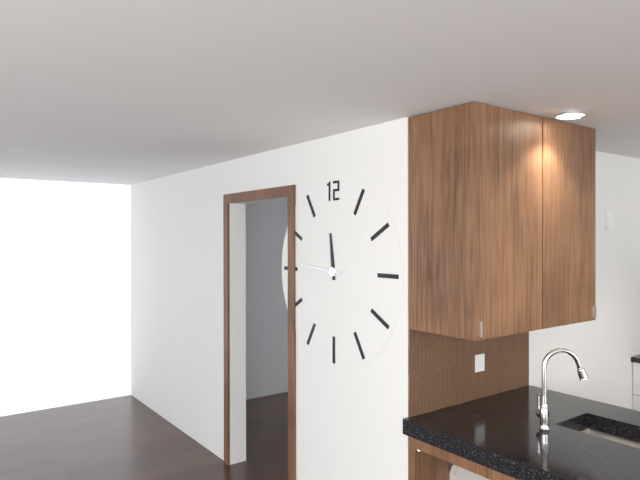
11:46
